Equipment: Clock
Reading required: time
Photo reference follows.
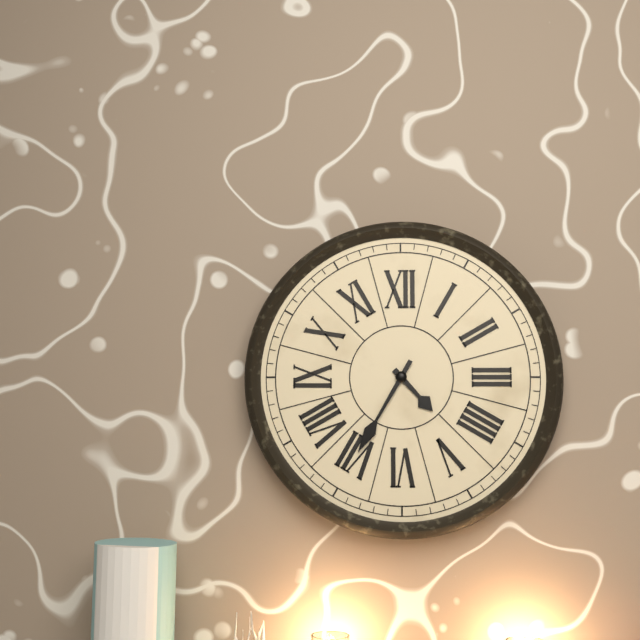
4:35
